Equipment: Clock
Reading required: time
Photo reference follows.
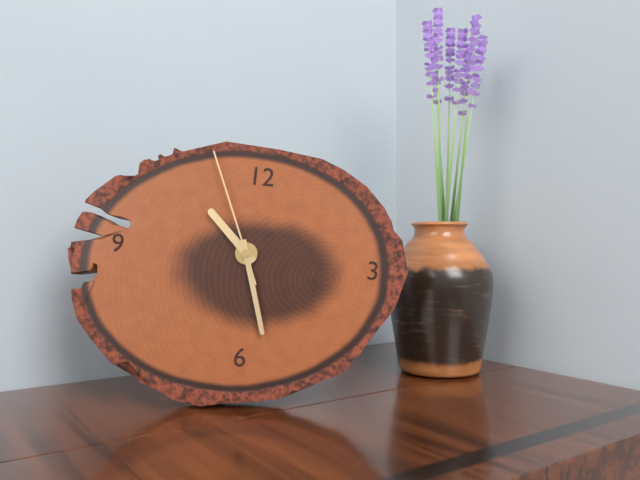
10:27:56
